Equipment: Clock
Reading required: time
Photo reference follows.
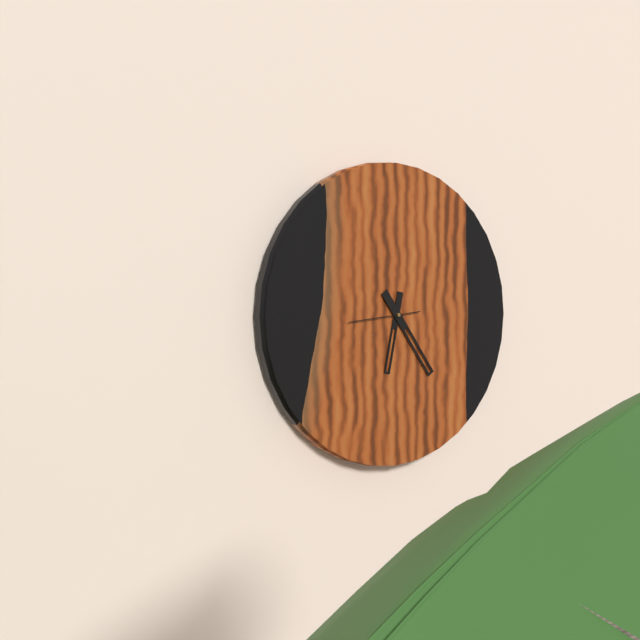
6:24:44
